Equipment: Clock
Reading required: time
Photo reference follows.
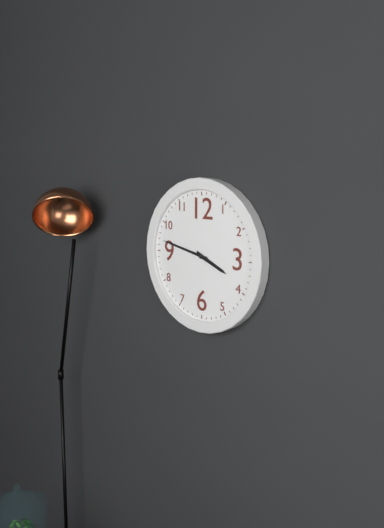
3:47
